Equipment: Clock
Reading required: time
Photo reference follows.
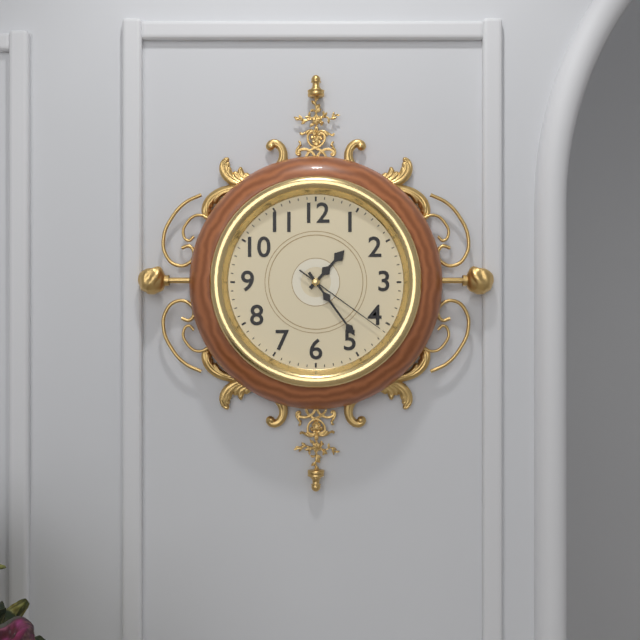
1:24:21
